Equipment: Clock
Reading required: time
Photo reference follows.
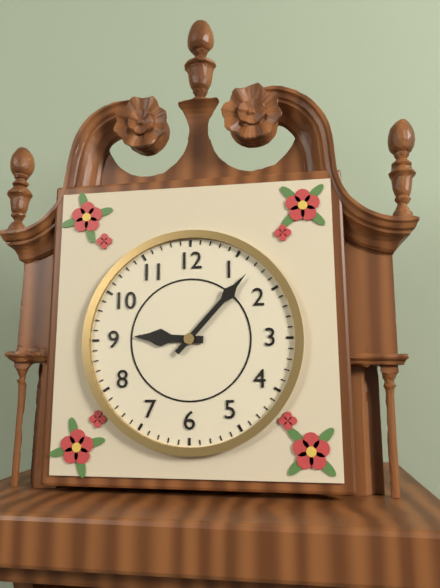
9:07
